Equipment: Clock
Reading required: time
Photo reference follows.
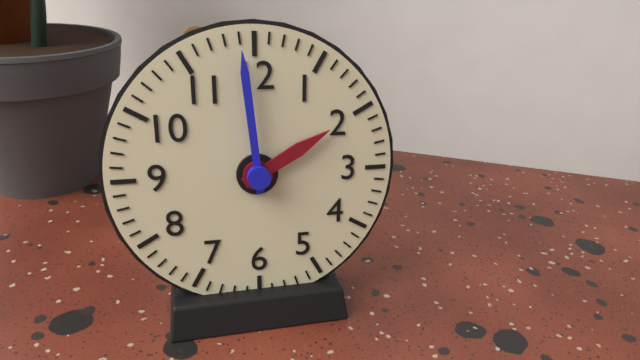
1:59
